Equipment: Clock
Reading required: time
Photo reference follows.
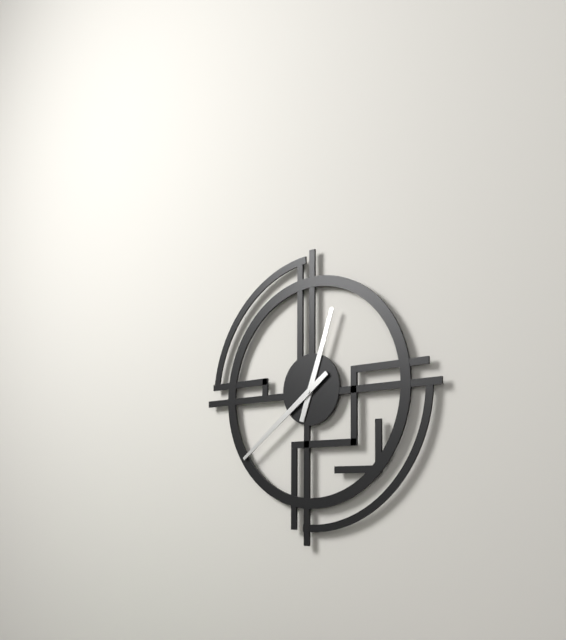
12:39
